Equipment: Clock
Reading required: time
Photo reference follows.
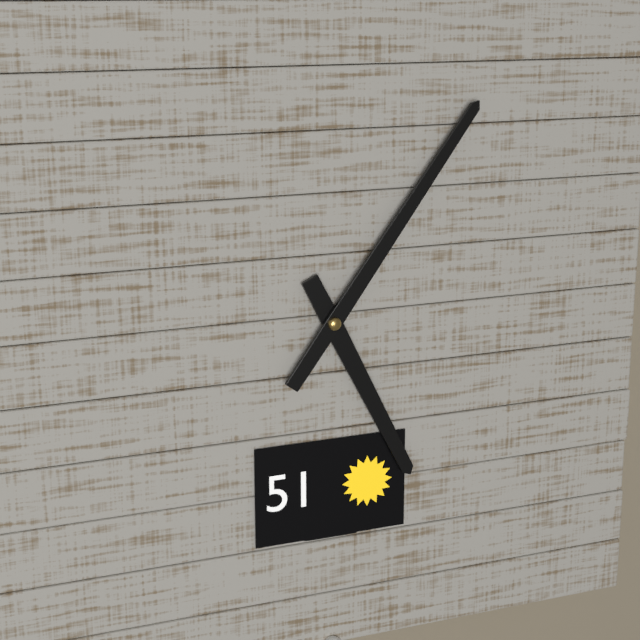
5:06
